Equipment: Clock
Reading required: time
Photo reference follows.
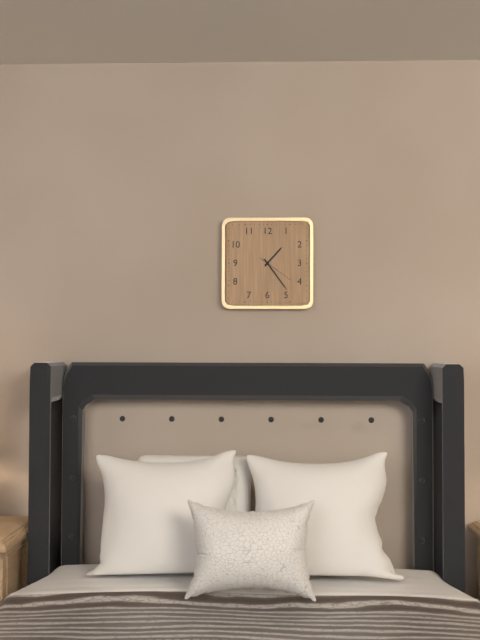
1:24
